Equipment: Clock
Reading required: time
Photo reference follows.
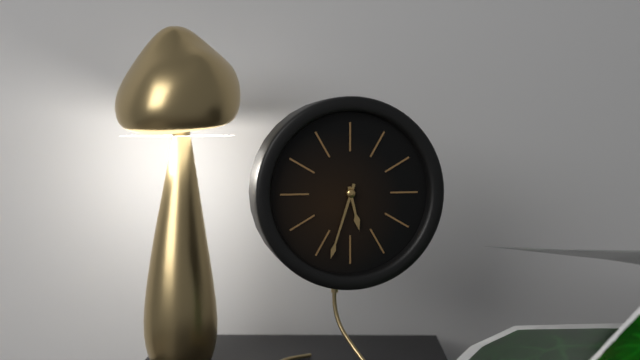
5:33
